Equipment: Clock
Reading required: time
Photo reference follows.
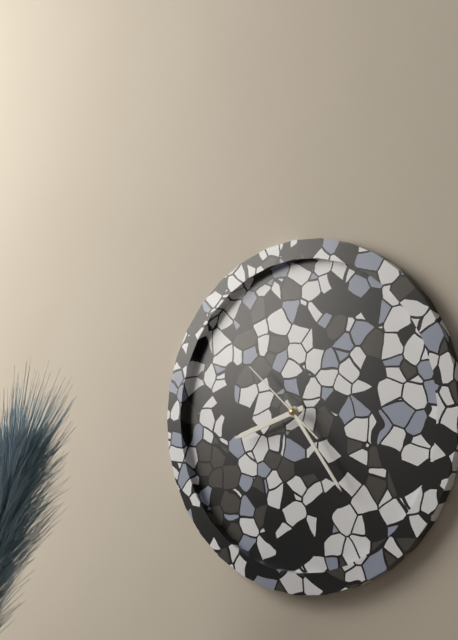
8:24:52
